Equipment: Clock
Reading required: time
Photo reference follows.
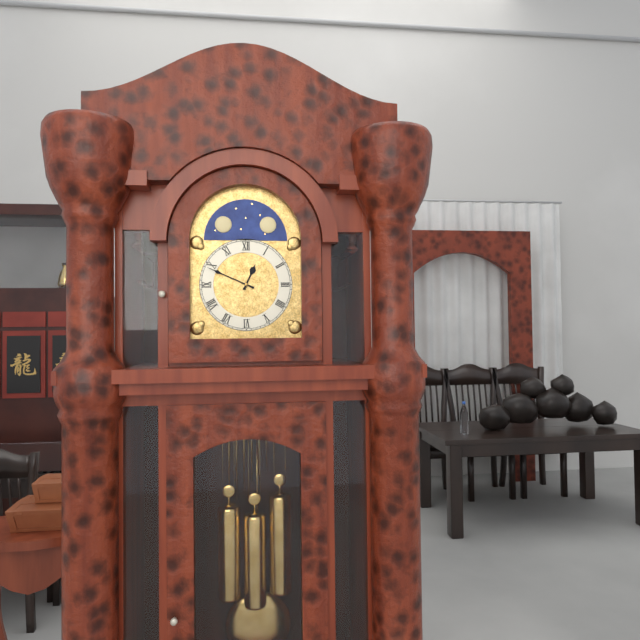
12:49
